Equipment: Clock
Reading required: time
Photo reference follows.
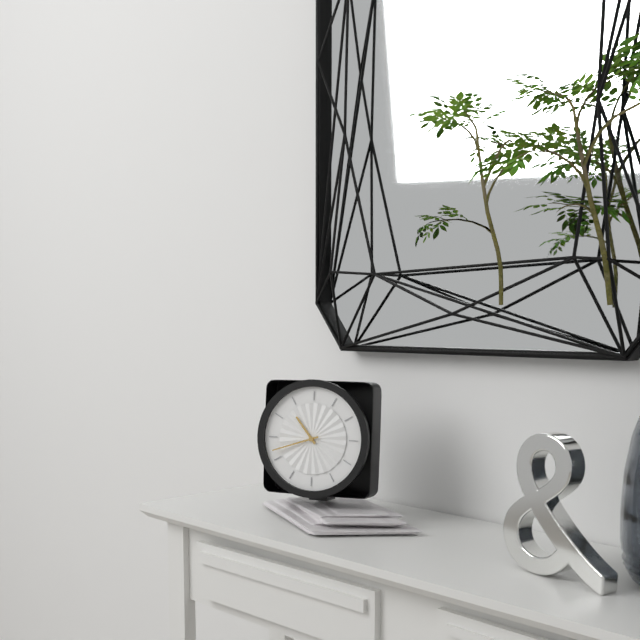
10:42
